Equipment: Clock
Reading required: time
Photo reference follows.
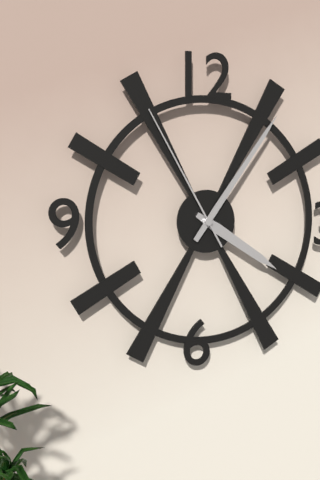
4:06:55
